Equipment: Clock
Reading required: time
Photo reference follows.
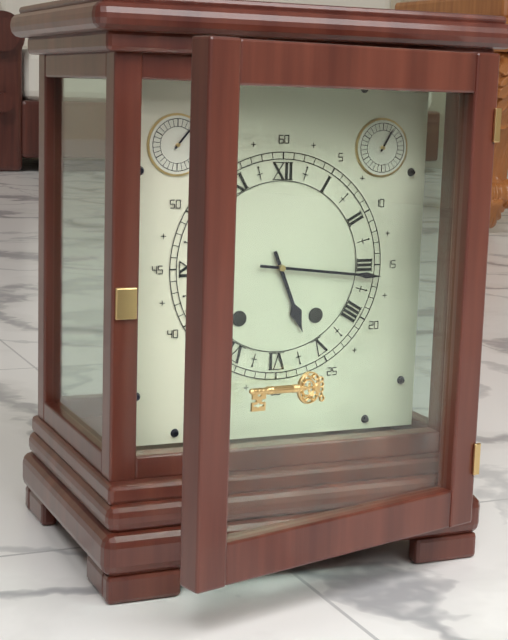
5:16
